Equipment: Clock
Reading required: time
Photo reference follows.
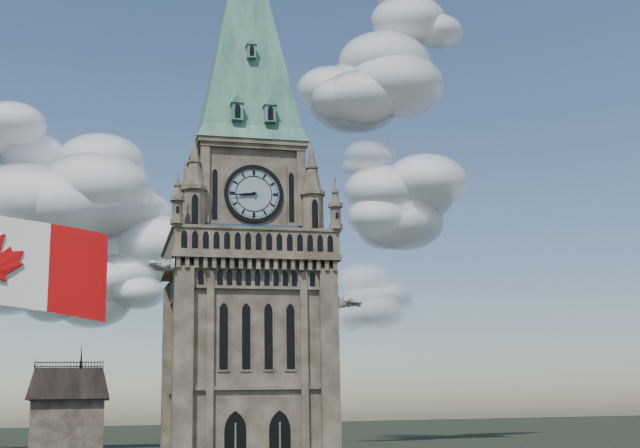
8:44
